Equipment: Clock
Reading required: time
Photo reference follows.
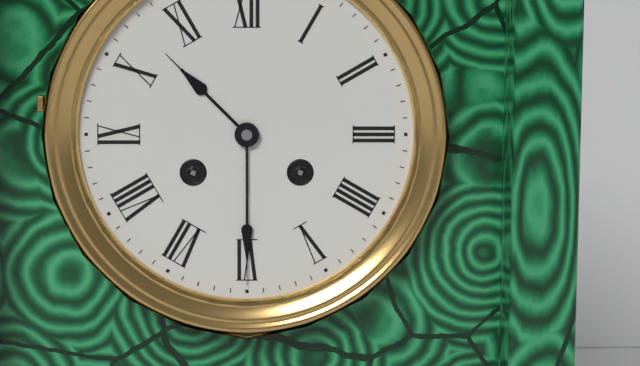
10:30
